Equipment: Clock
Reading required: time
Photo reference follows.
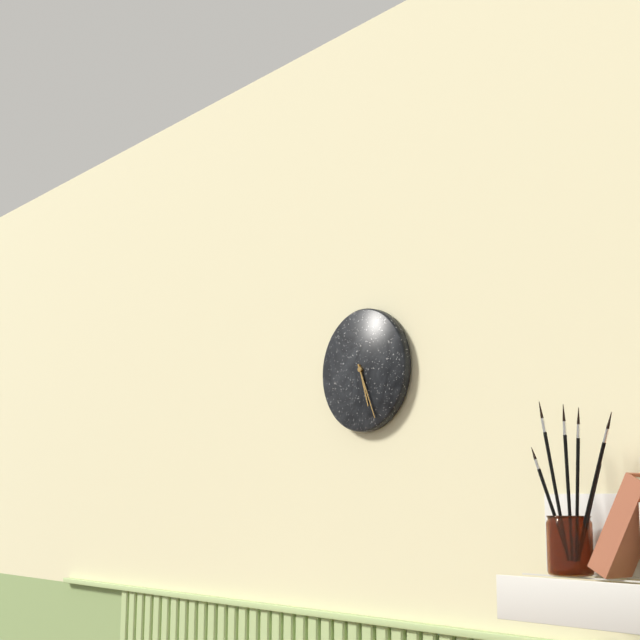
5:26
